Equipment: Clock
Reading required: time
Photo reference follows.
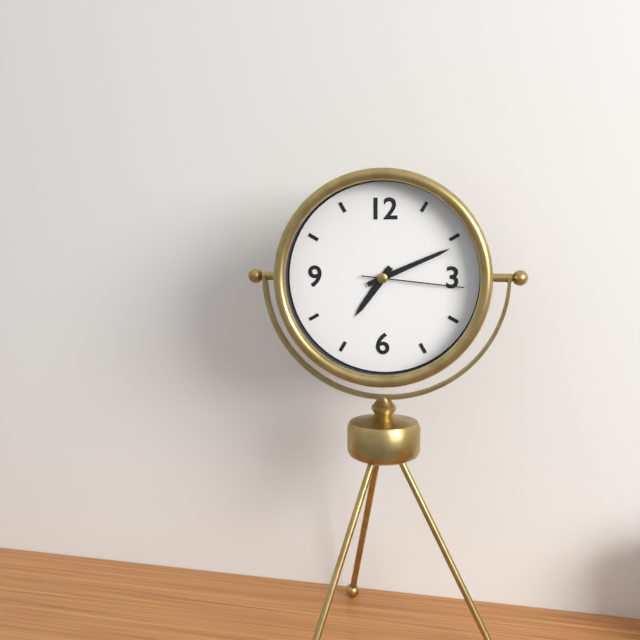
7:11:16
